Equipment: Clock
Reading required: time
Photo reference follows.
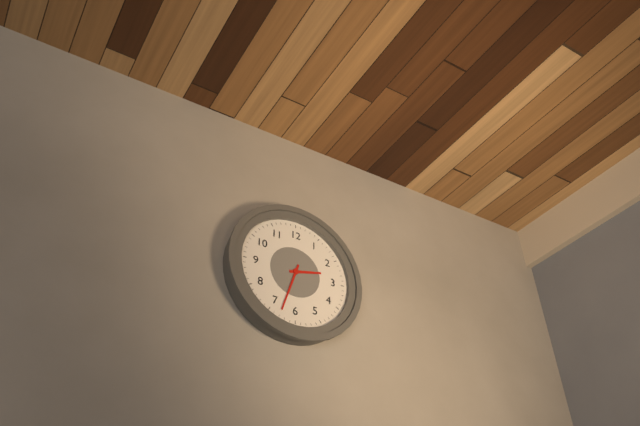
2:33
